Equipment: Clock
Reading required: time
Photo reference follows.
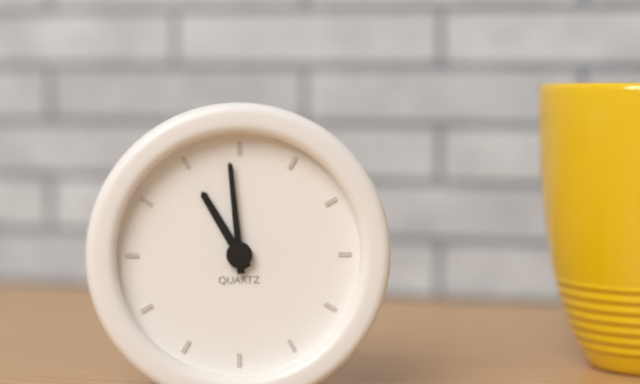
10:59
